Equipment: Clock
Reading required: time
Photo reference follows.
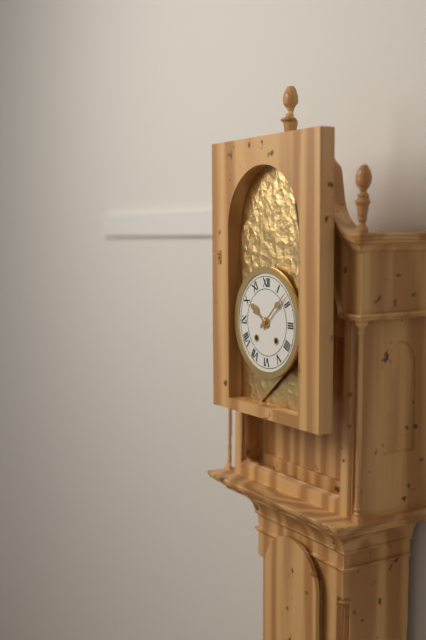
10:08
